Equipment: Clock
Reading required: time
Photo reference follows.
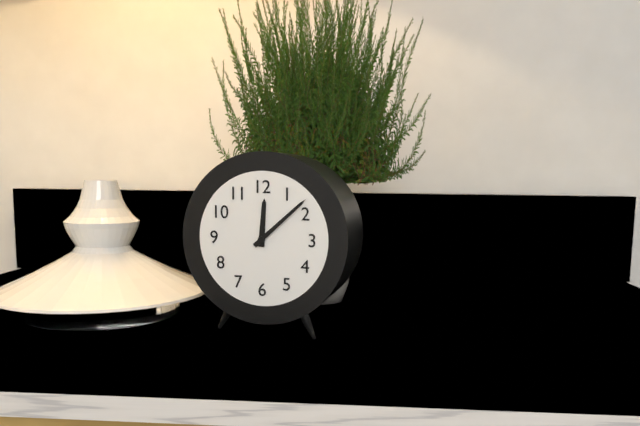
12:08
